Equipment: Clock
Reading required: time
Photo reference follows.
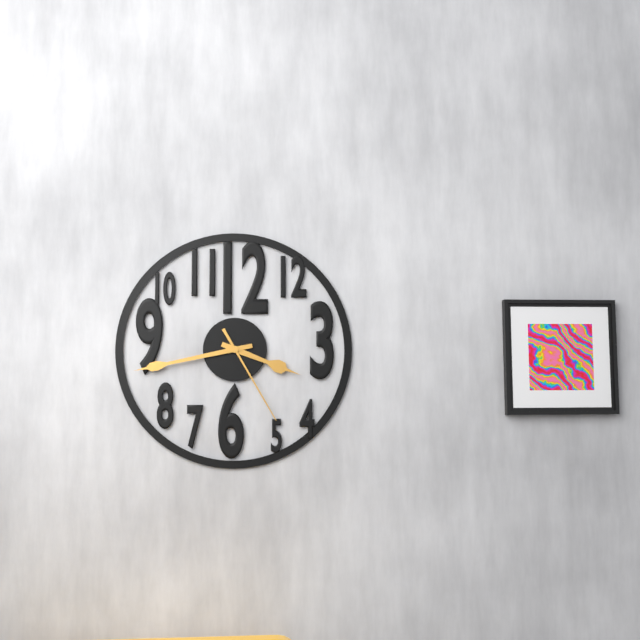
3:43:25
